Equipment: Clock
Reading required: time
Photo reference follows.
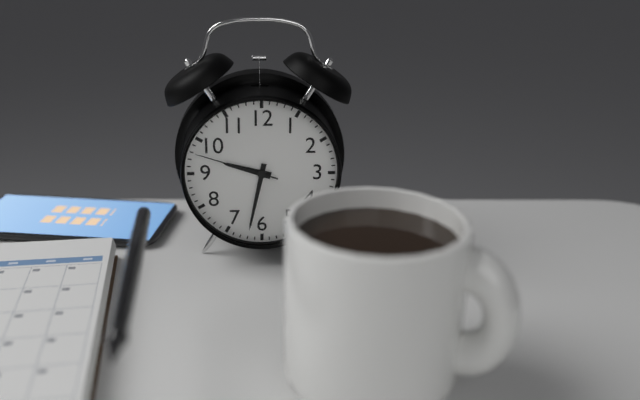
9:32:48
